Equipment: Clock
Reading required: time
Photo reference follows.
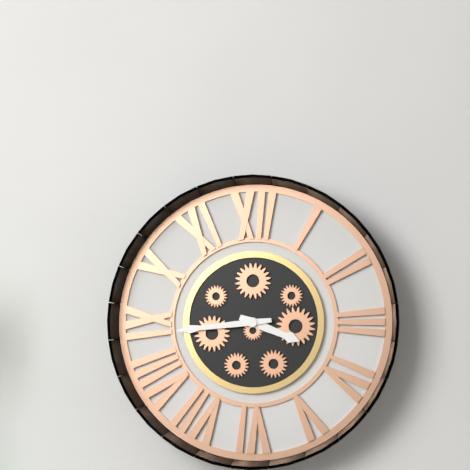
3:44
